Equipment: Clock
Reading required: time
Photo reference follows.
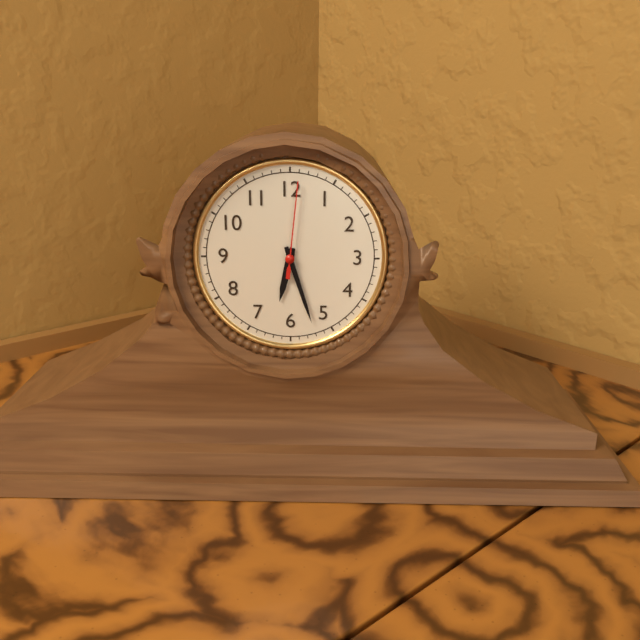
6:27:01
